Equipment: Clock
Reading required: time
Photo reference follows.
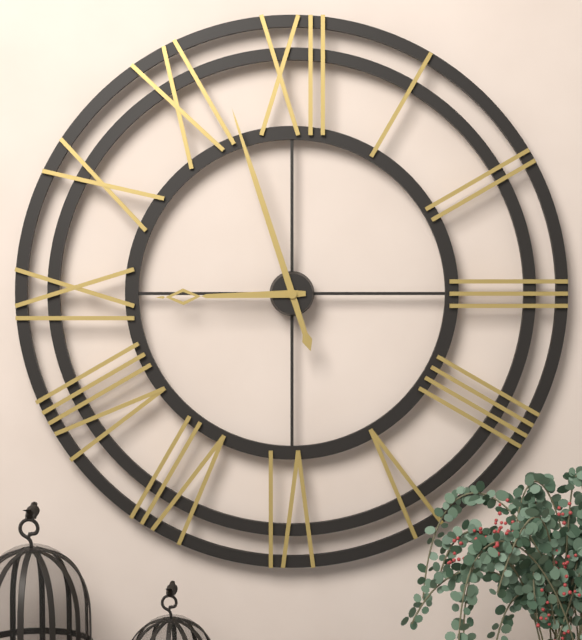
8:57
